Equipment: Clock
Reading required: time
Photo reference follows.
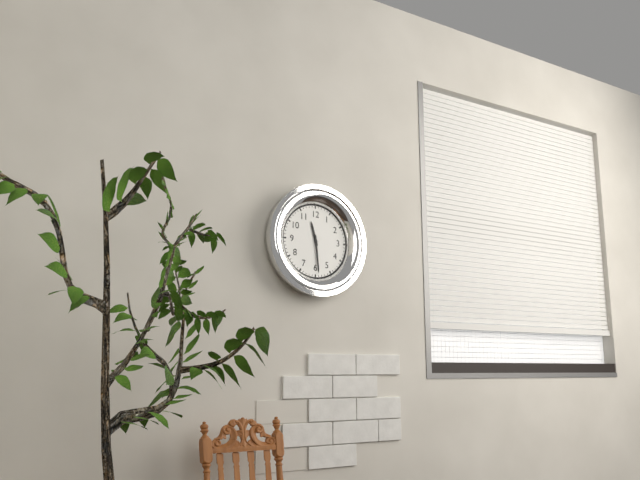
11:29
